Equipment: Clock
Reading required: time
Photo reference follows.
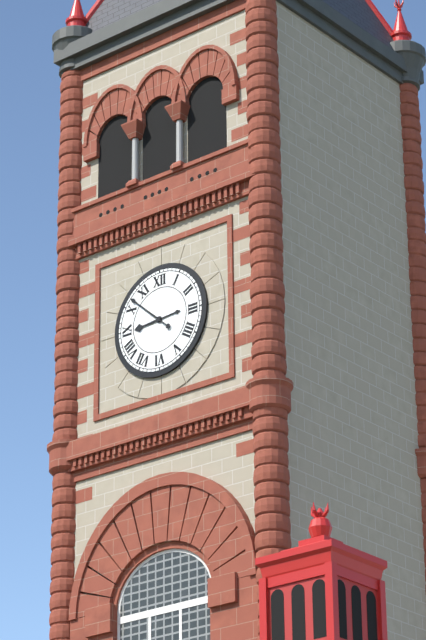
8:52
